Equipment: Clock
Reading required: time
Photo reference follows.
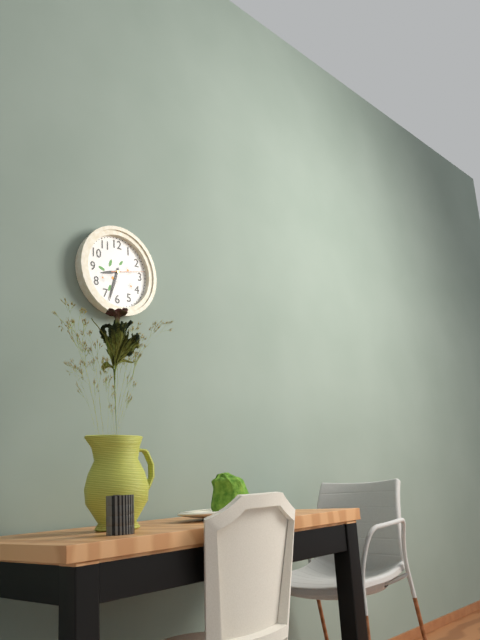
8:33
